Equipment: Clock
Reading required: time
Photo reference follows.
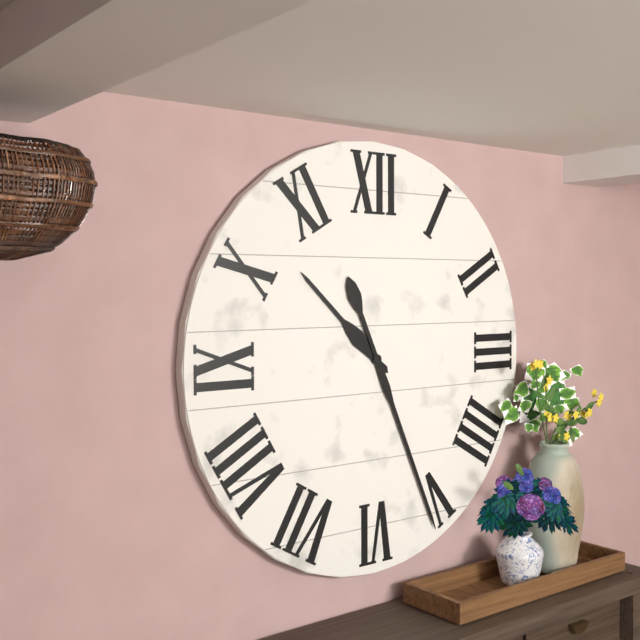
10:26
